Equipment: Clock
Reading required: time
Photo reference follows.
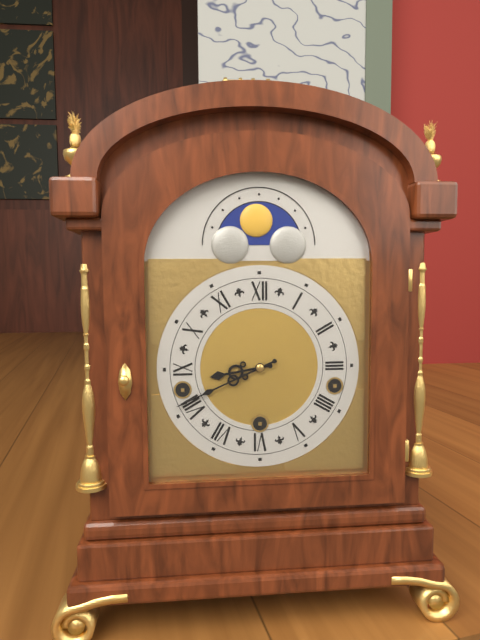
8:41
